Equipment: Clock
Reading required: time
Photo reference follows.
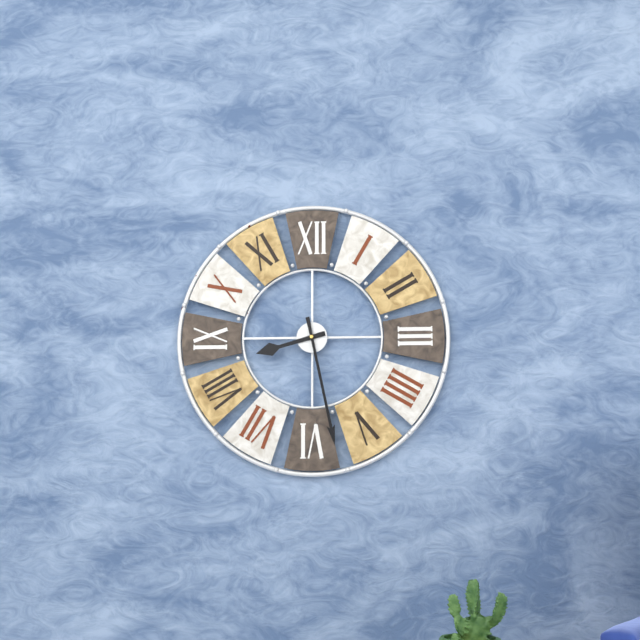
8:28
